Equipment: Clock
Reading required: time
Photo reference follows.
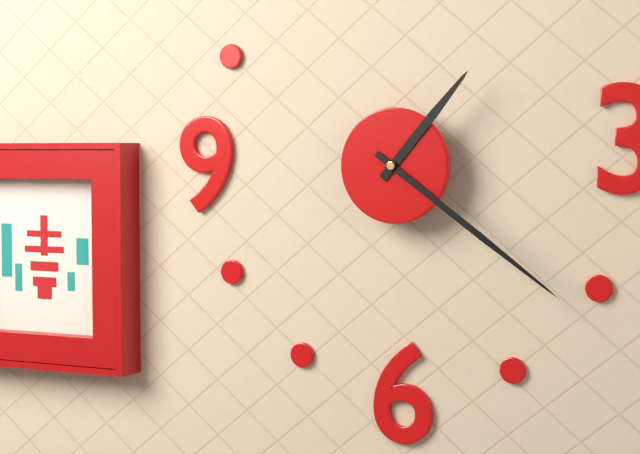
1:21
